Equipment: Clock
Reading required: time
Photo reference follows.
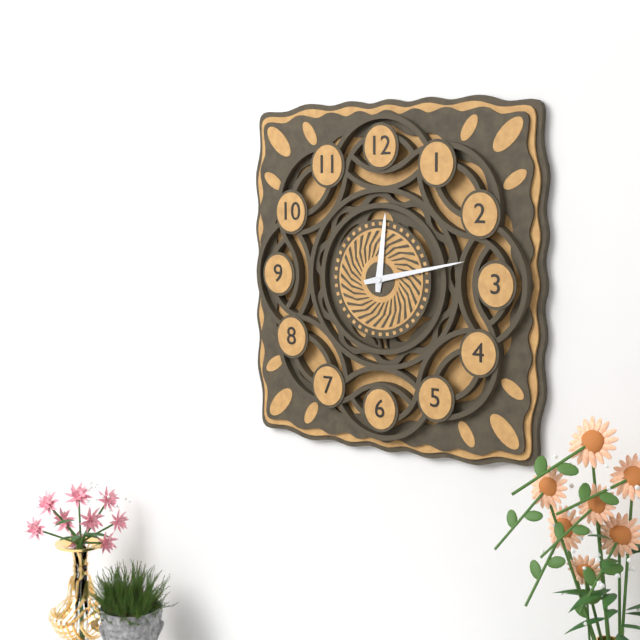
12:13
